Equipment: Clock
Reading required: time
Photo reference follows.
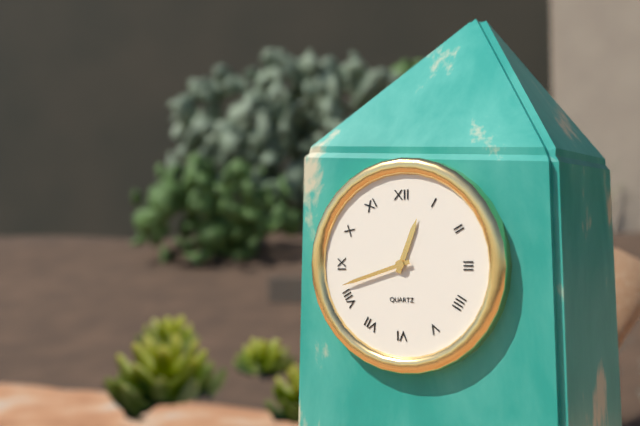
12:42
